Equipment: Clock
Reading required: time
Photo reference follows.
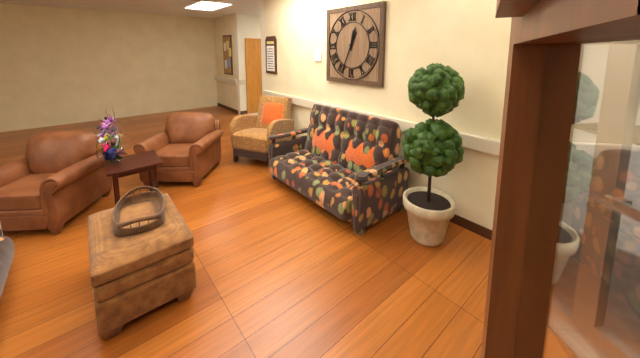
12:34
